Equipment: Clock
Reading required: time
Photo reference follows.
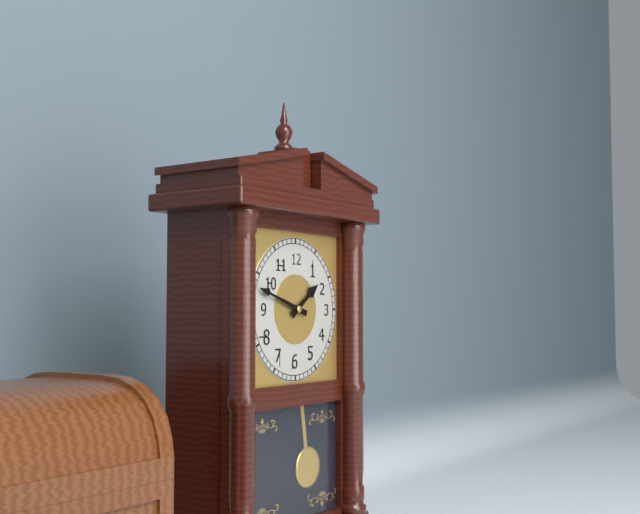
1:48
